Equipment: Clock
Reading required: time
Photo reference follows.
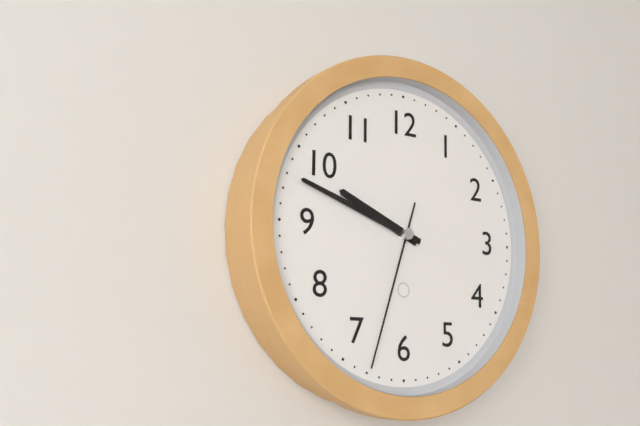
9:48:33
